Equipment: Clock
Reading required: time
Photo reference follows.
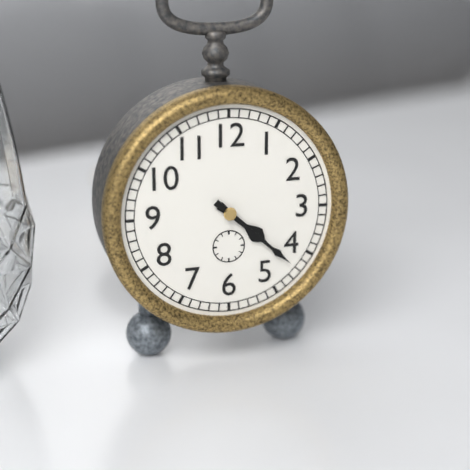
4:22
